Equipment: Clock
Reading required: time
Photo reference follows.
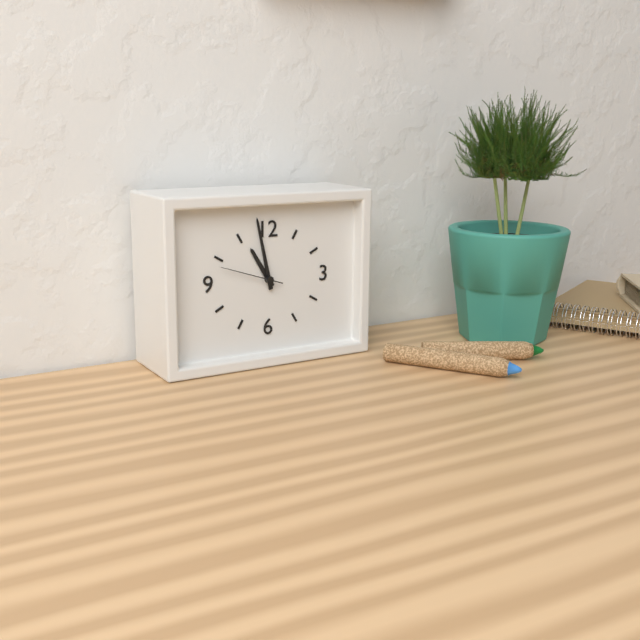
10:58:48
